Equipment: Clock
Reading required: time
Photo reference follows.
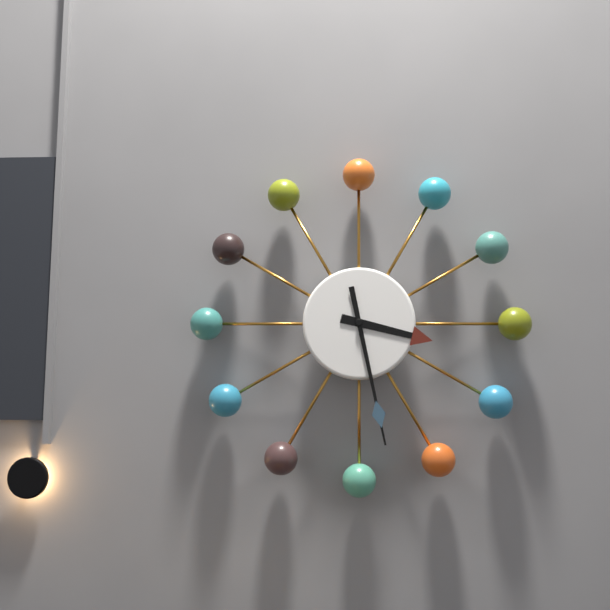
3:28
